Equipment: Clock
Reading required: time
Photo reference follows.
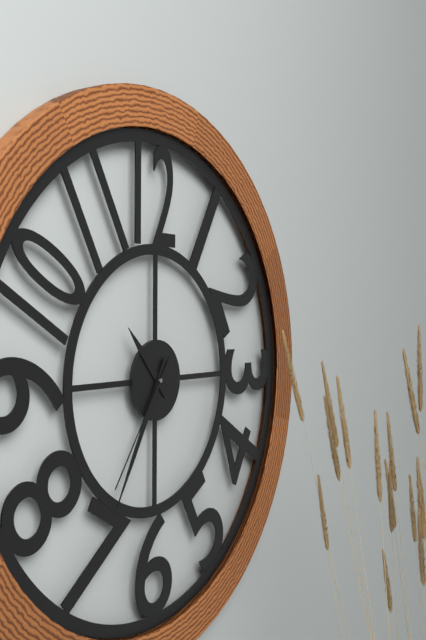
10:35:36
